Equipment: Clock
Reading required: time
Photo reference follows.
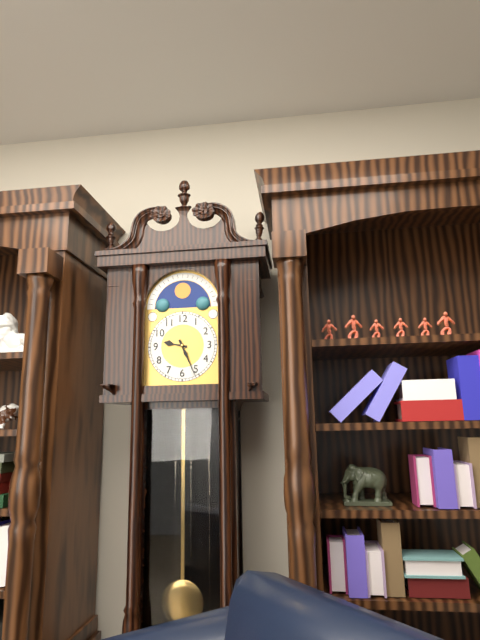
9:26
